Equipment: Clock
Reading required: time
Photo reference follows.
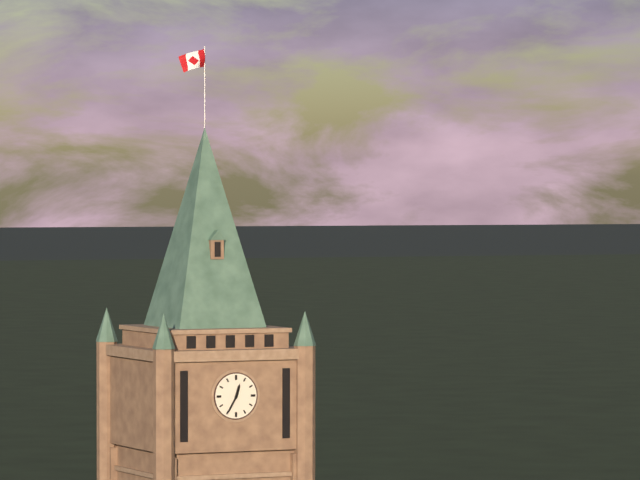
12:35
